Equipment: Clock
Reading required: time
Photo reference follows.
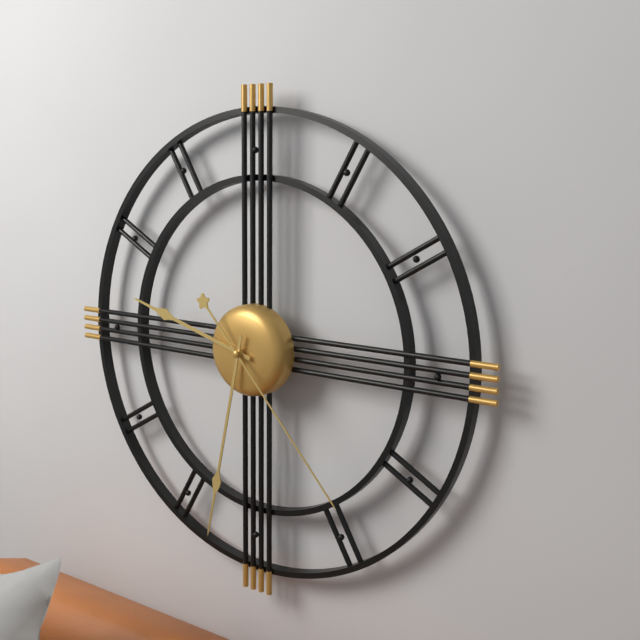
9:32:23
